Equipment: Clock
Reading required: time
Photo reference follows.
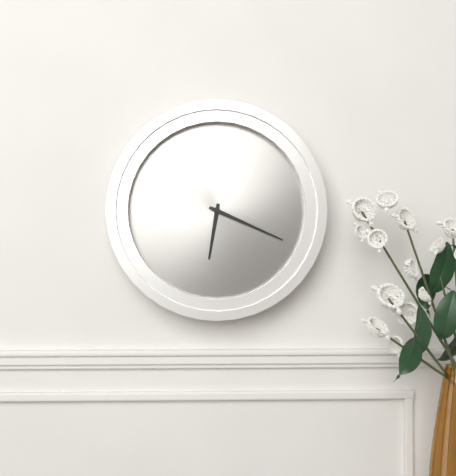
6:19
